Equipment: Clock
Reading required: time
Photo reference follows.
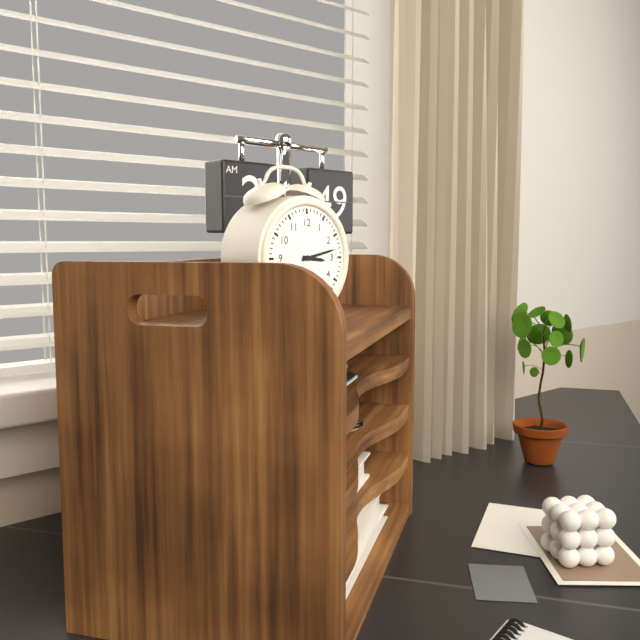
3:13
